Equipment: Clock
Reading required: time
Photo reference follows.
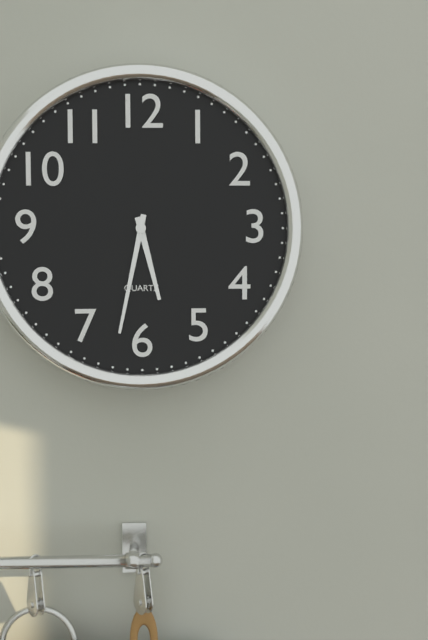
5:32
